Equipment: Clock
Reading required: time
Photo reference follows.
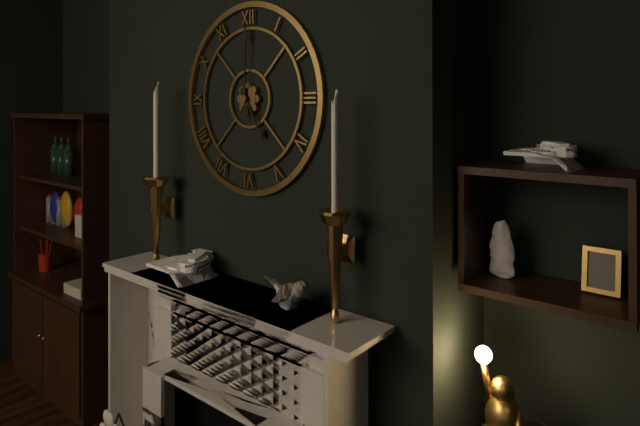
5:00
